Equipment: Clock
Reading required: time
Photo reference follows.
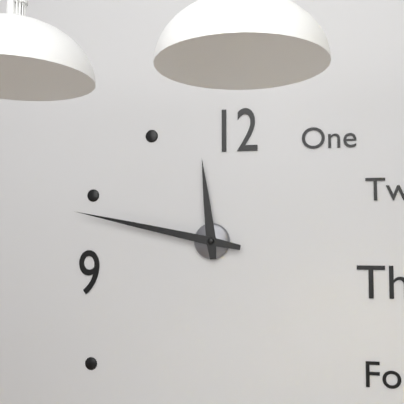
11:47
